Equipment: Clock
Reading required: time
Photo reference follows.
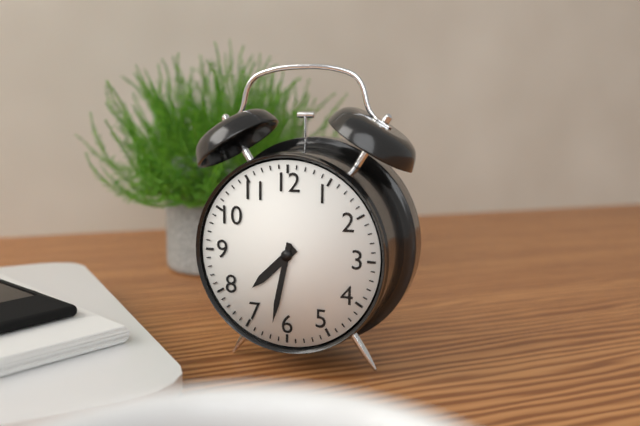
7:32
